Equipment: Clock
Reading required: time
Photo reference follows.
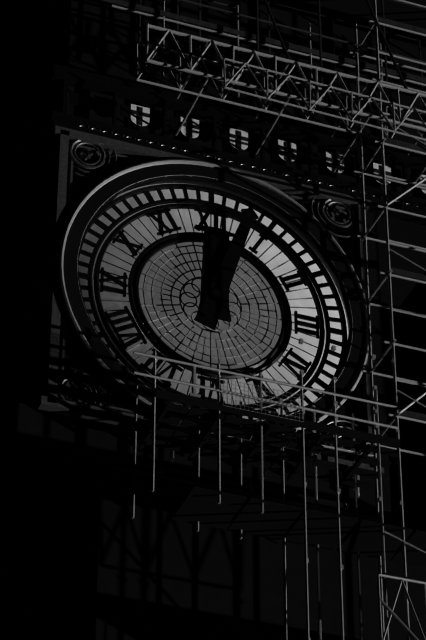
12:03
